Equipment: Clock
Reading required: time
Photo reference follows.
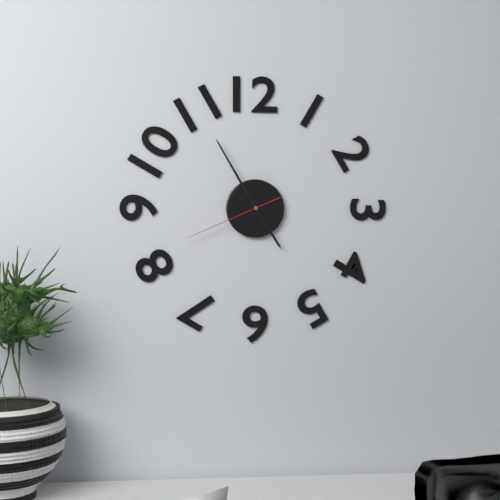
4:55:41
